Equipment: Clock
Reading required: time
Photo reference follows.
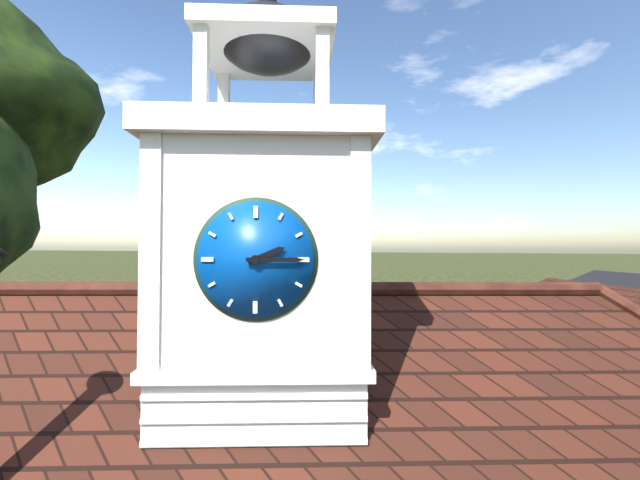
2:15
